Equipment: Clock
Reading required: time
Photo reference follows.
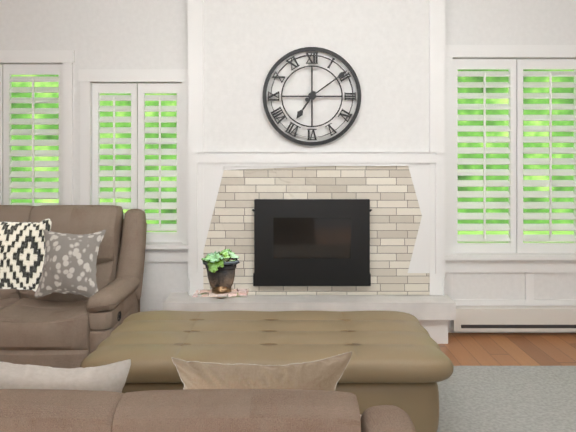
7:09
